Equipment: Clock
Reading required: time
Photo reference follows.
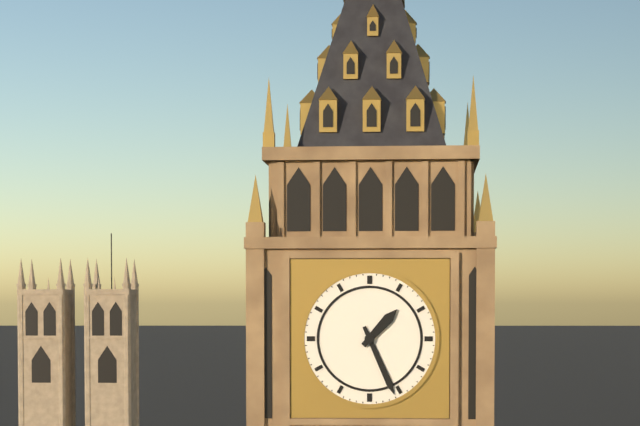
1:26
